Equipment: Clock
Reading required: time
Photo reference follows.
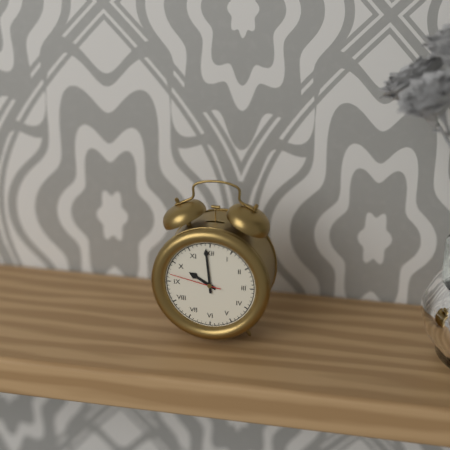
9:59:47
